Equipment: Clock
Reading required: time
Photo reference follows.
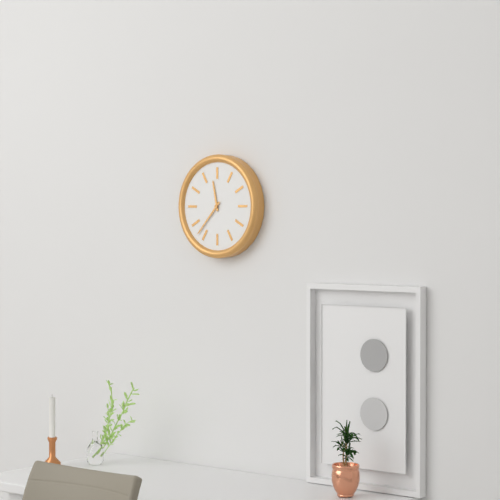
11:37
